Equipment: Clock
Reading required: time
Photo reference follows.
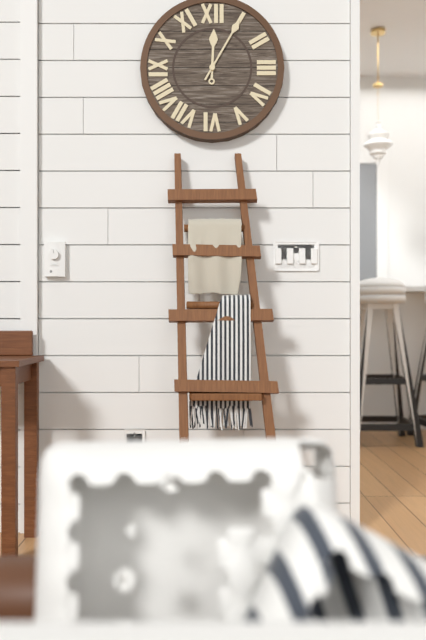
12:05
